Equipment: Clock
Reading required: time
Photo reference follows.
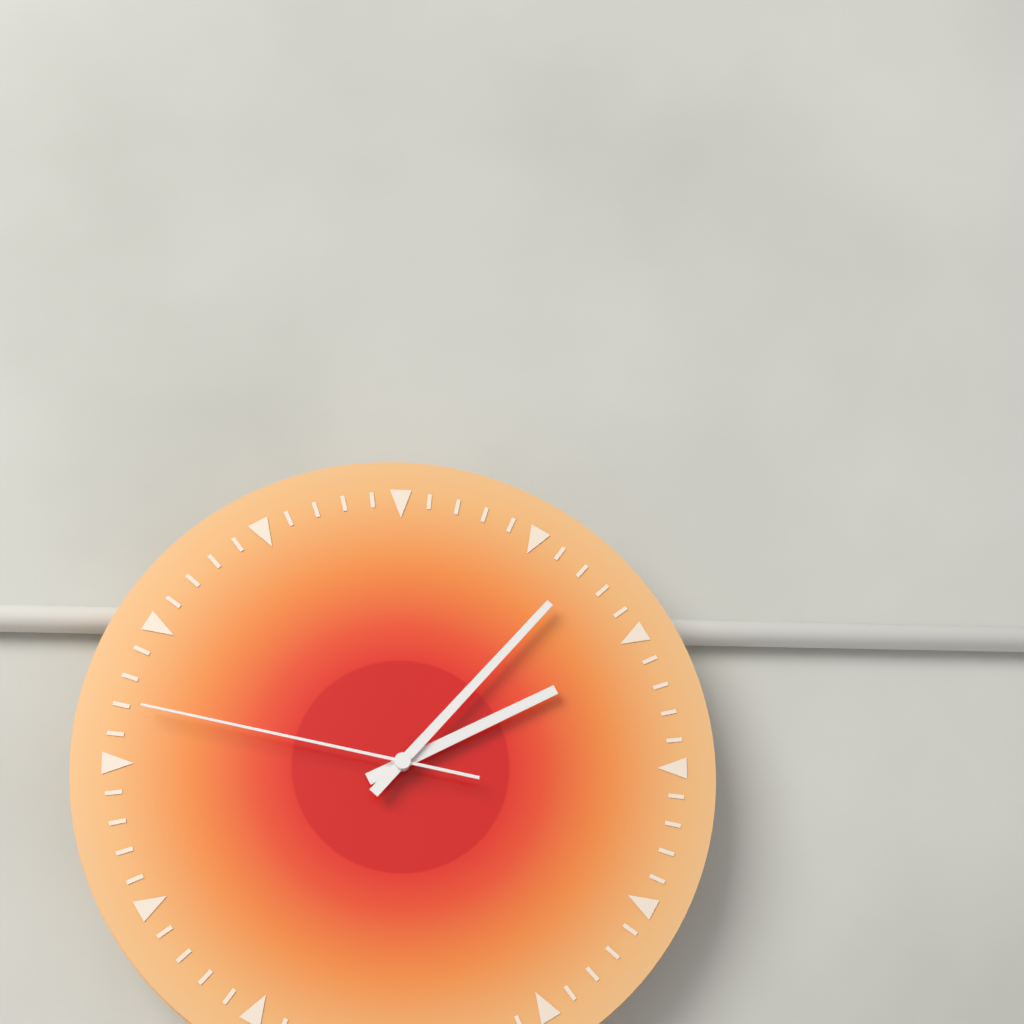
2:07:47
